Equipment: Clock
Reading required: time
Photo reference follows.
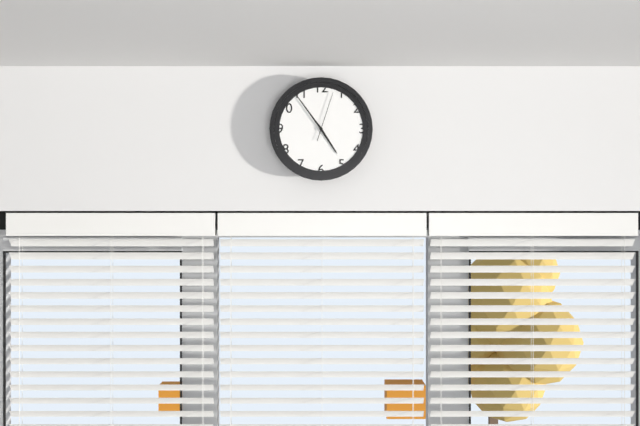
4:54:03
